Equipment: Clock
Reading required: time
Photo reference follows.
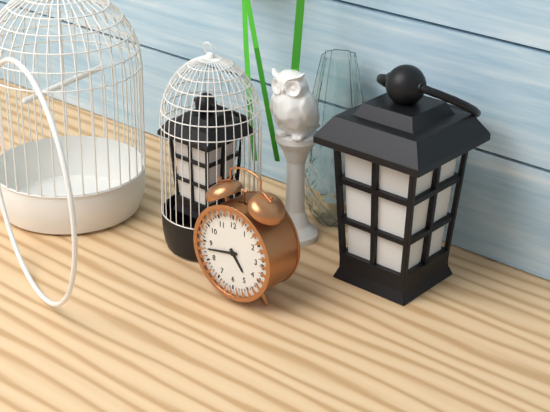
4:43
